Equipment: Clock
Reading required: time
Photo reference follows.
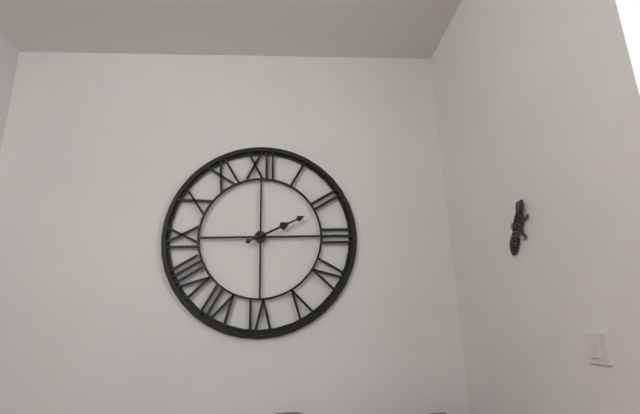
2:11
